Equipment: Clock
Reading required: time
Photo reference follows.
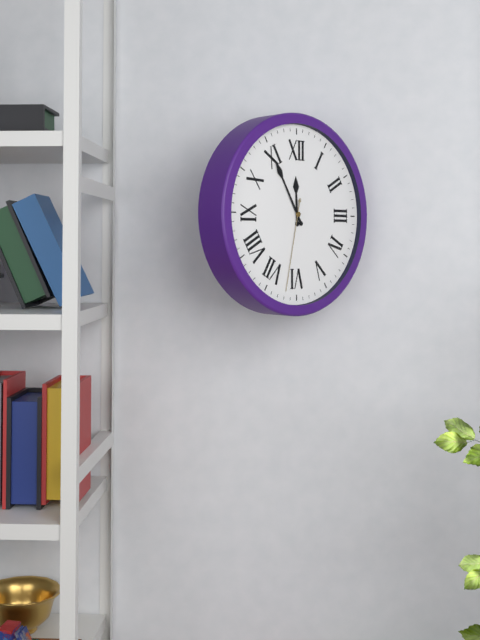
11:55:32
